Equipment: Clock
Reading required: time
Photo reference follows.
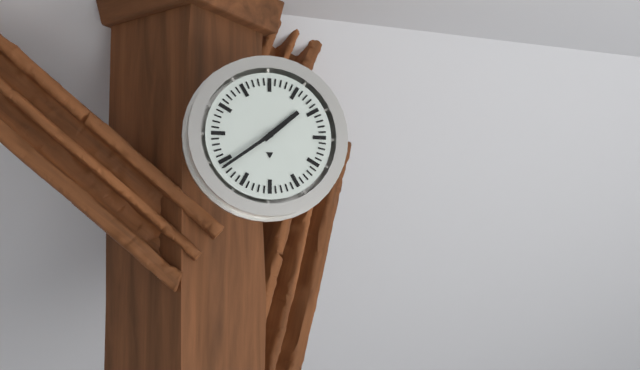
1:39
